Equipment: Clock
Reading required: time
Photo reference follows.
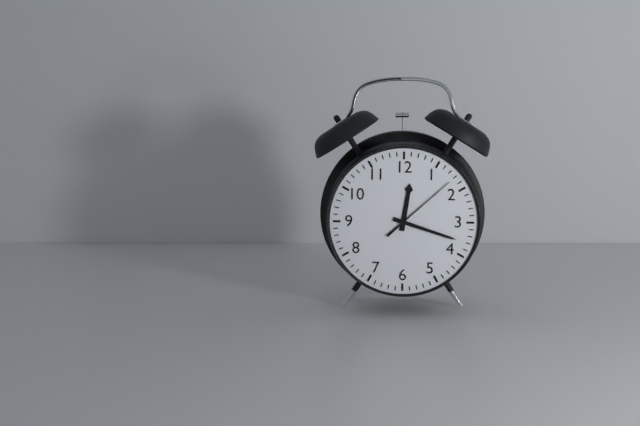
12:18:08
